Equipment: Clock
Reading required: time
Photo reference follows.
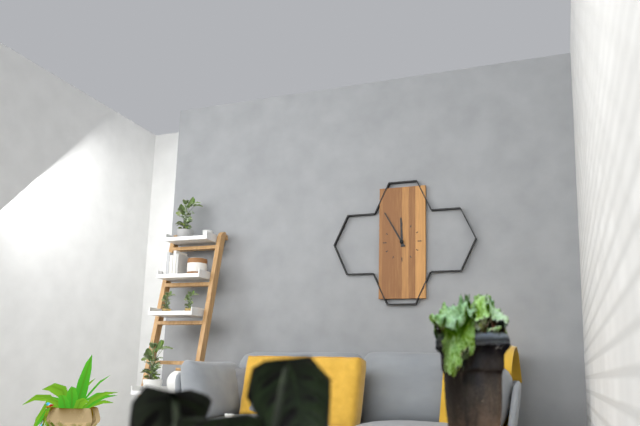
11:55
